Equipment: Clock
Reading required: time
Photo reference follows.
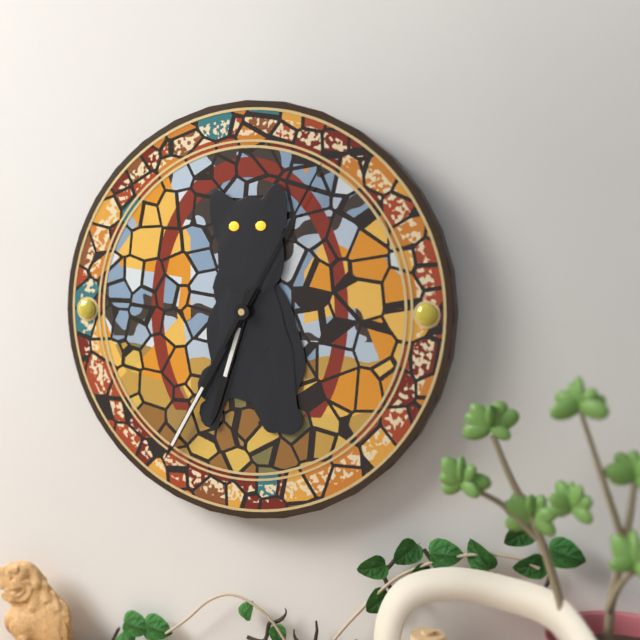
6:35:05
